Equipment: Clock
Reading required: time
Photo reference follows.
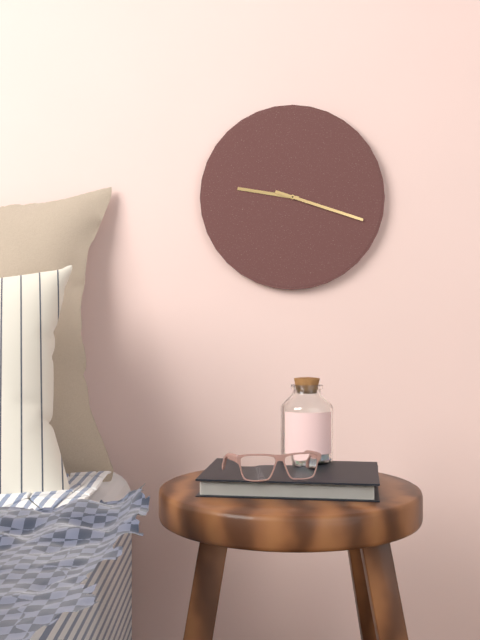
9:18
